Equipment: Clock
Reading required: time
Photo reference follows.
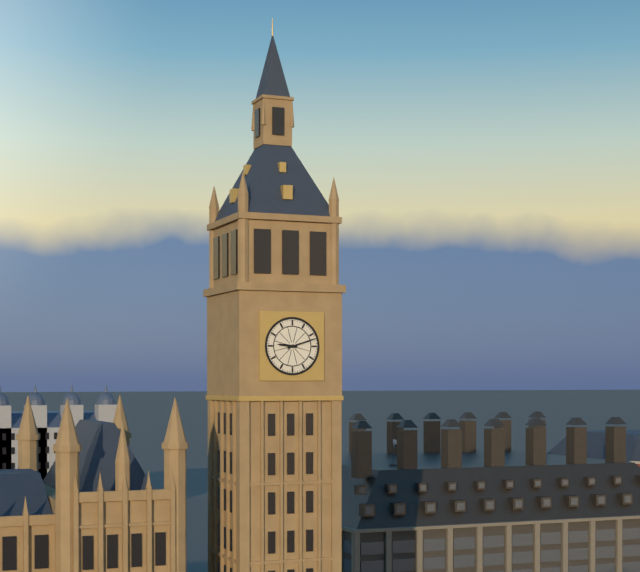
9:12
